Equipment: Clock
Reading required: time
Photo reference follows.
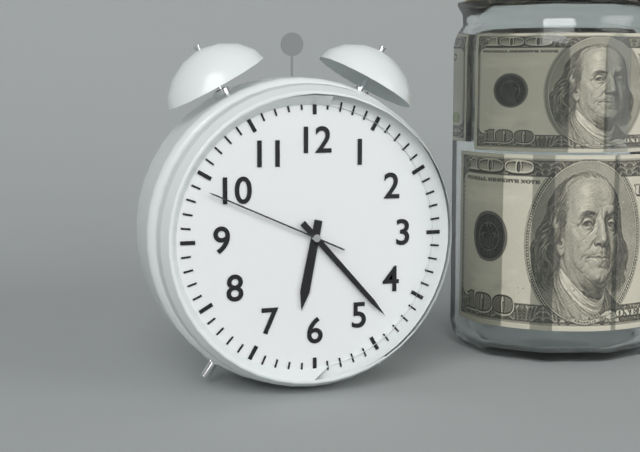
6:23:49
